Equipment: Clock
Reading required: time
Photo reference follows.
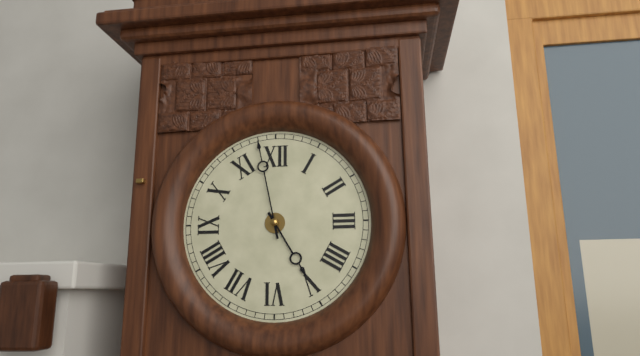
4:58
